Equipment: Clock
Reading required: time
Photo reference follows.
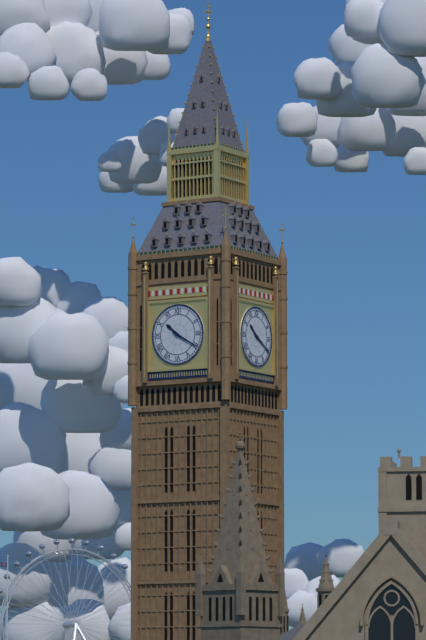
10:20
